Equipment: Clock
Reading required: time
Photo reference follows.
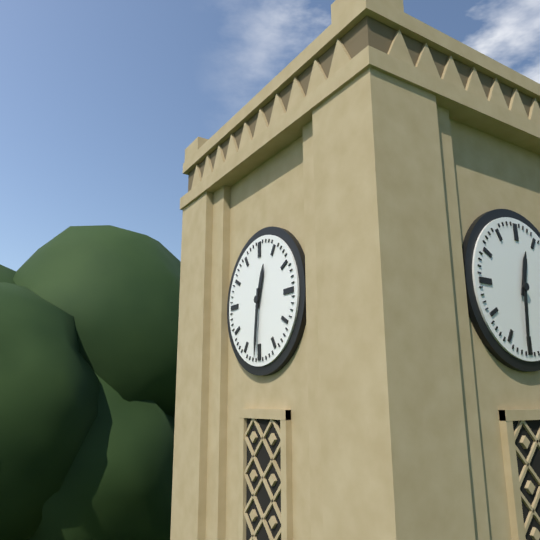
12:31
